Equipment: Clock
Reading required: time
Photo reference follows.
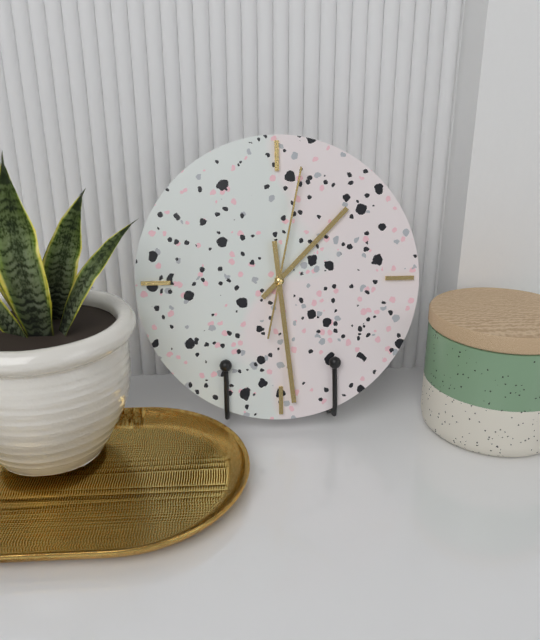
1:29:02
